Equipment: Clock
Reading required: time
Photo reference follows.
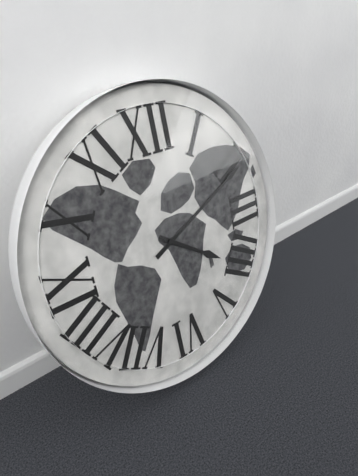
4:11
